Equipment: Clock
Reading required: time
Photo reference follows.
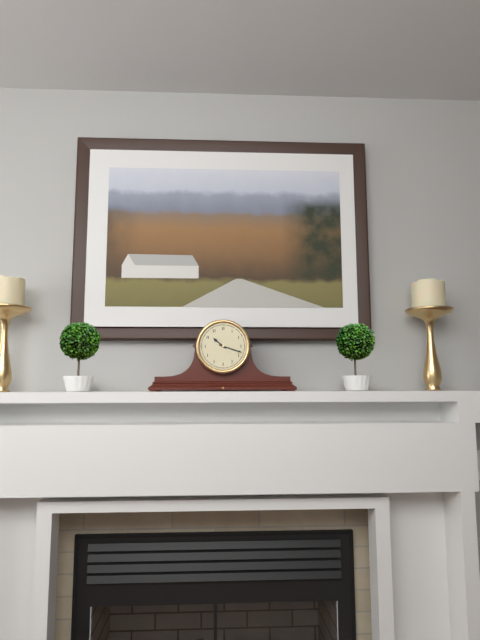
10:18
